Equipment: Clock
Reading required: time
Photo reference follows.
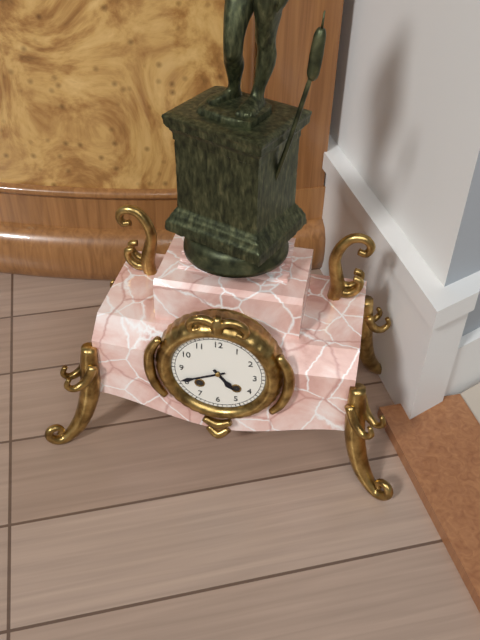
4:41
